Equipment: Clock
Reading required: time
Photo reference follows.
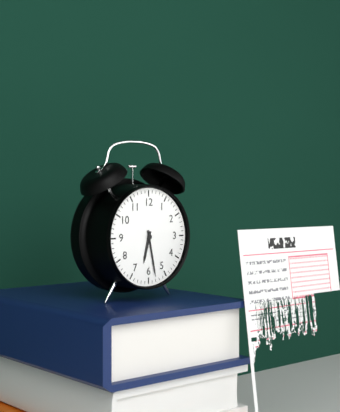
6:28
